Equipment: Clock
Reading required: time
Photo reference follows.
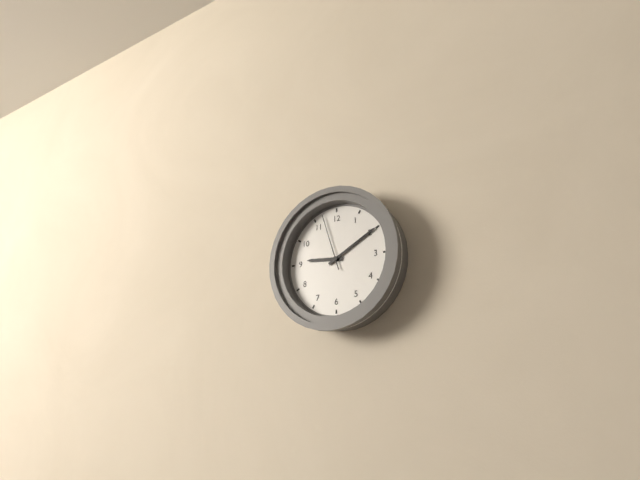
9:10:57
